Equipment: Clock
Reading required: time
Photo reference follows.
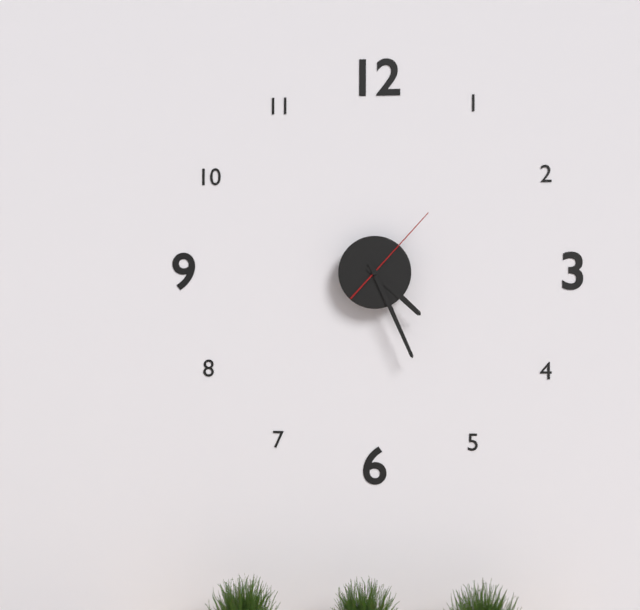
4:26:07
